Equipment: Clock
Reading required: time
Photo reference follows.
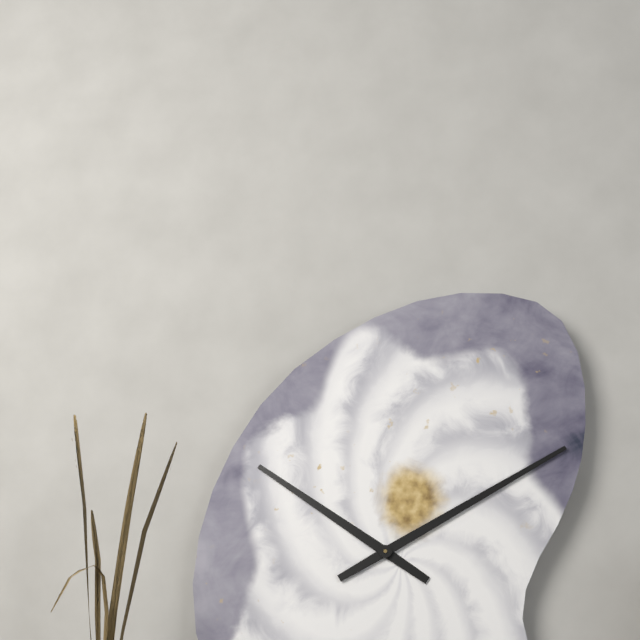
10:10
